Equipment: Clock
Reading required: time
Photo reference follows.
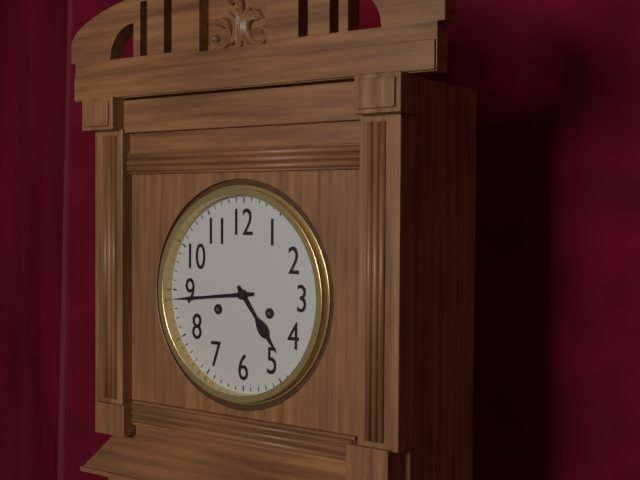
4:44
